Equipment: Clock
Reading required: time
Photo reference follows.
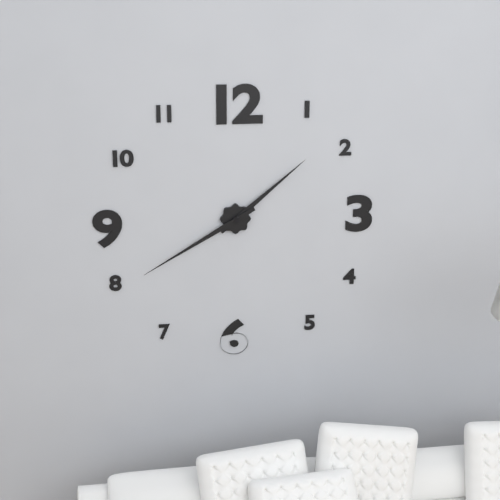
1:40
